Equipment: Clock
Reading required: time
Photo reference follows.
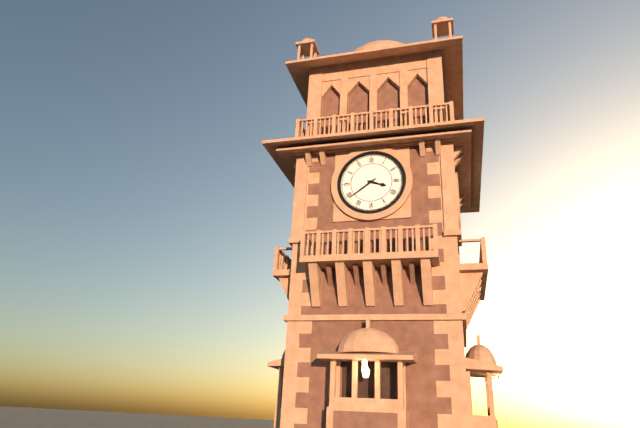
3:39
